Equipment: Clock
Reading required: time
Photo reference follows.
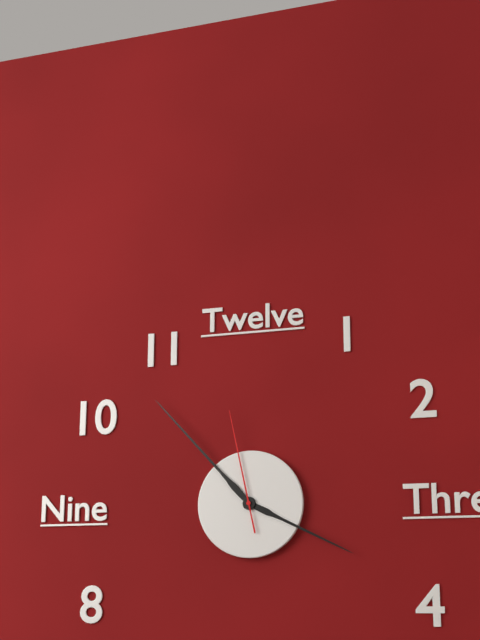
3:53:58
